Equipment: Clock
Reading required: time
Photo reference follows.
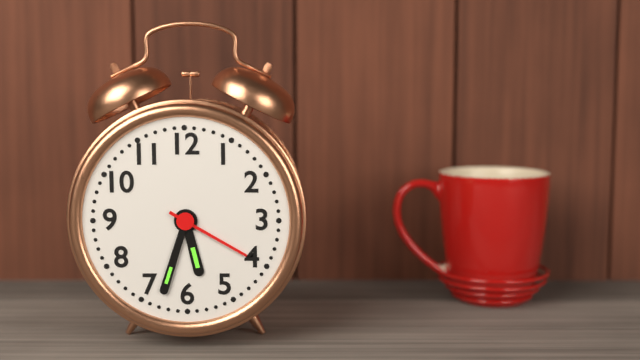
5:33:20
